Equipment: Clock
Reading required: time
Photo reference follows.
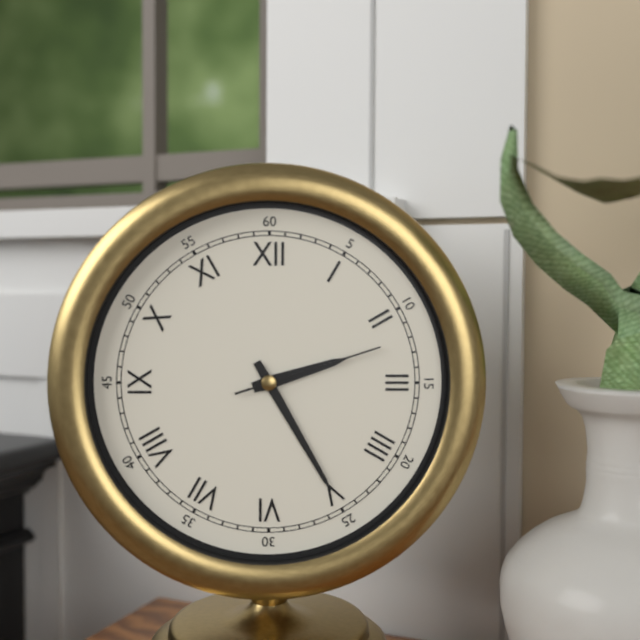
2:25:12
